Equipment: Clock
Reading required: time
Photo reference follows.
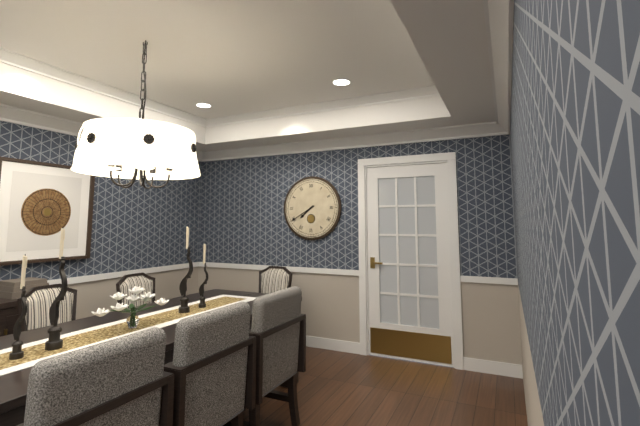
7:40
